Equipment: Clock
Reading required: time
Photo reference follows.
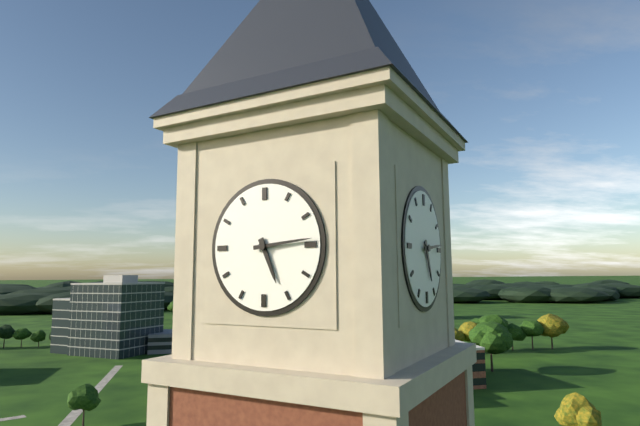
5:14
